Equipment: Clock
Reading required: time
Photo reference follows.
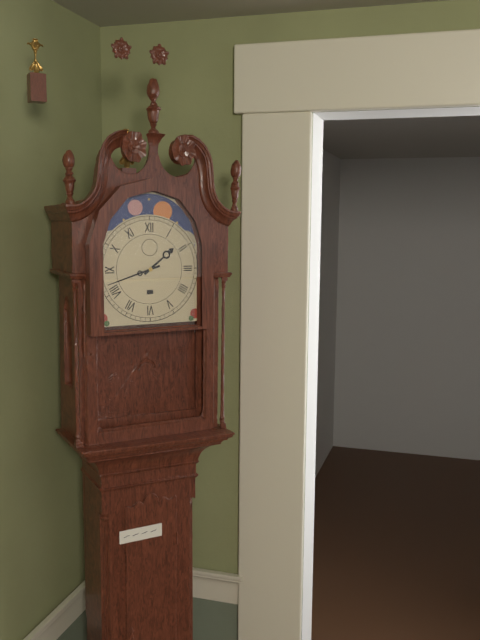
1:42
